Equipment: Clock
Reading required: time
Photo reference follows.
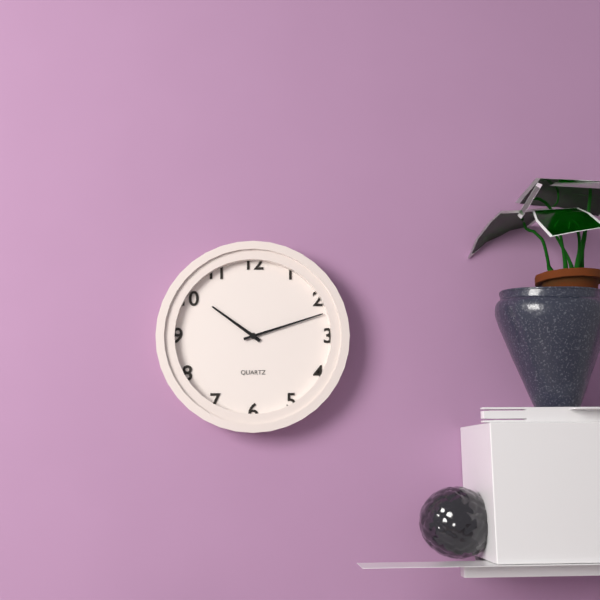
10:12
